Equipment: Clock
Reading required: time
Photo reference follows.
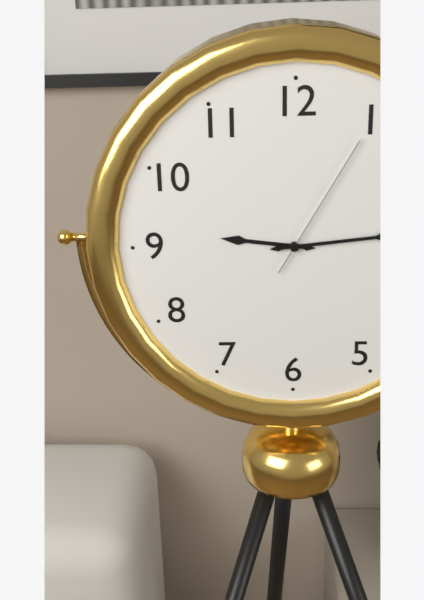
9:14:05
